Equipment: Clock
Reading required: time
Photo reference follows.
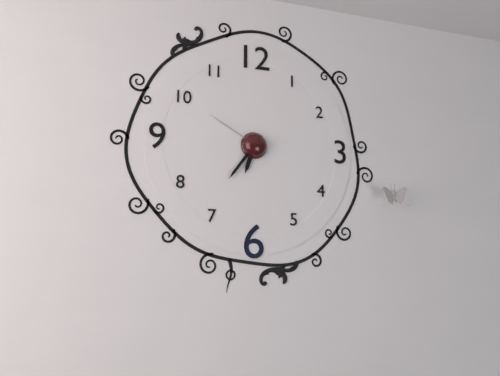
6:36:50
